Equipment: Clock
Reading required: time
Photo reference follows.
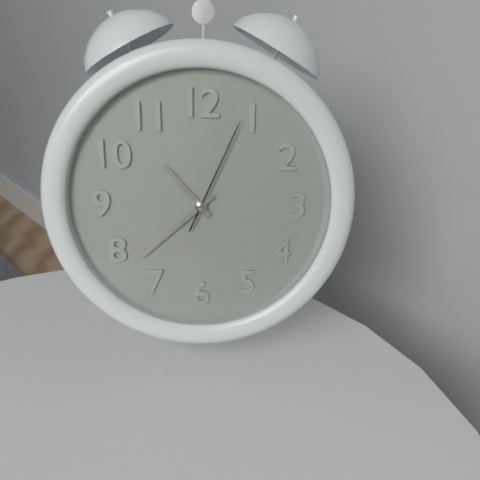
10:38:04
